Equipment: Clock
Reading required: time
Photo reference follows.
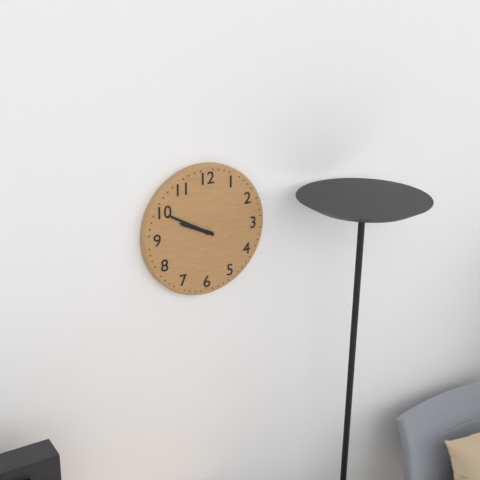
9:50
